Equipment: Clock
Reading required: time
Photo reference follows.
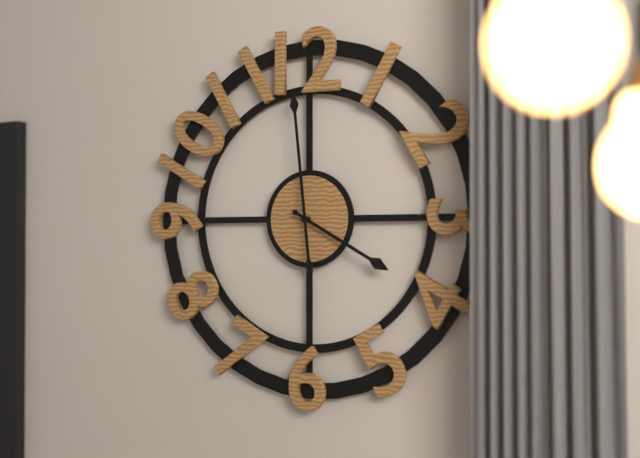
3:59
